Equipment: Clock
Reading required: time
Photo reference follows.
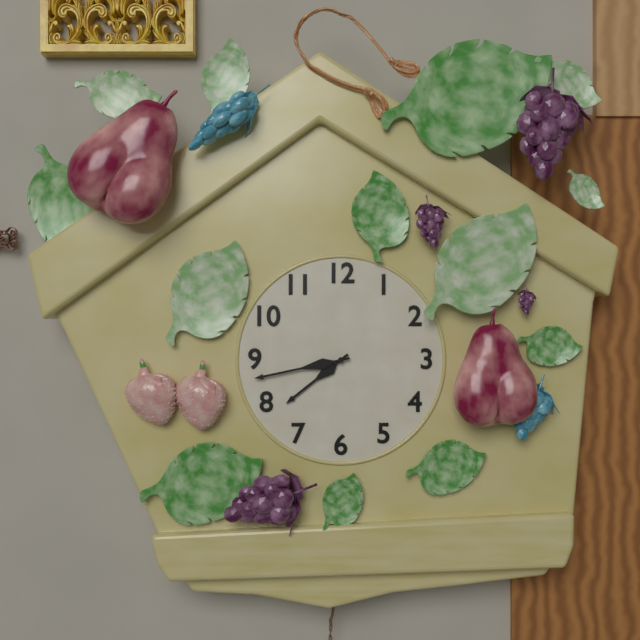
7:43
